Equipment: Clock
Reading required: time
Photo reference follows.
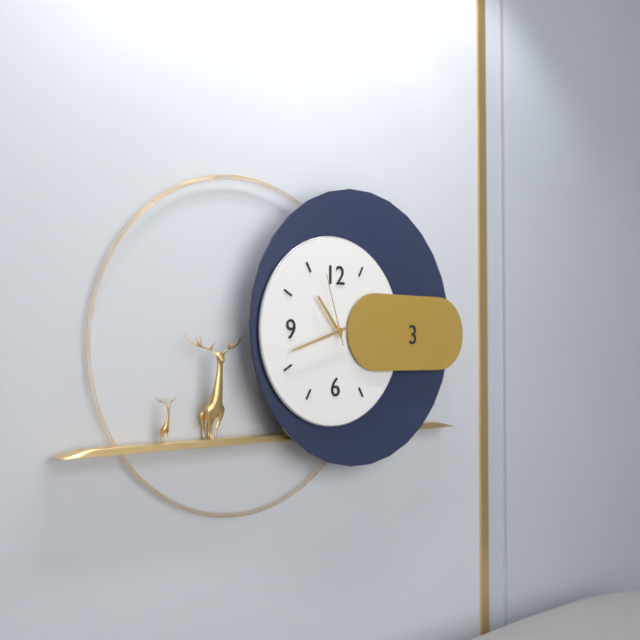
10:42:57
